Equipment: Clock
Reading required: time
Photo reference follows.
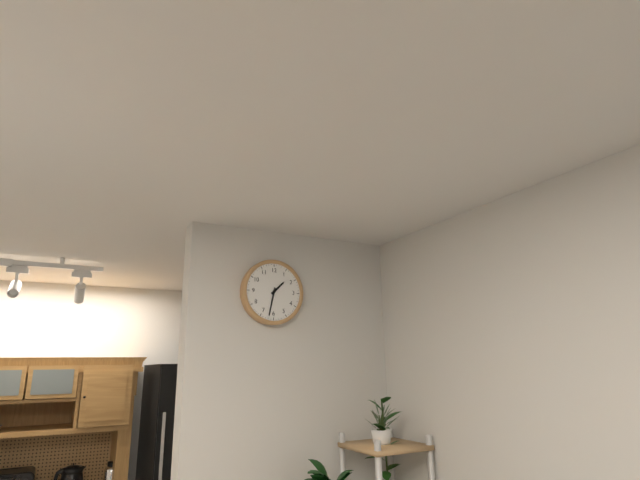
1:32
